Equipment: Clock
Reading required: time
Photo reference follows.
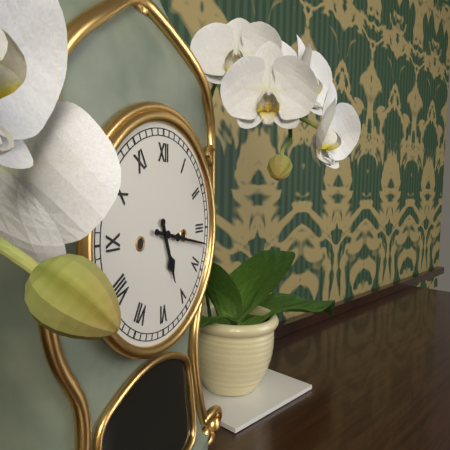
5:17
